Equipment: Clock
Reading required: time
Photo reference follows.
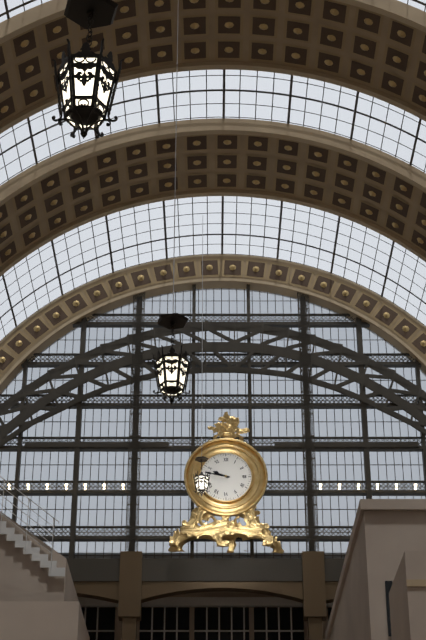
9:47
